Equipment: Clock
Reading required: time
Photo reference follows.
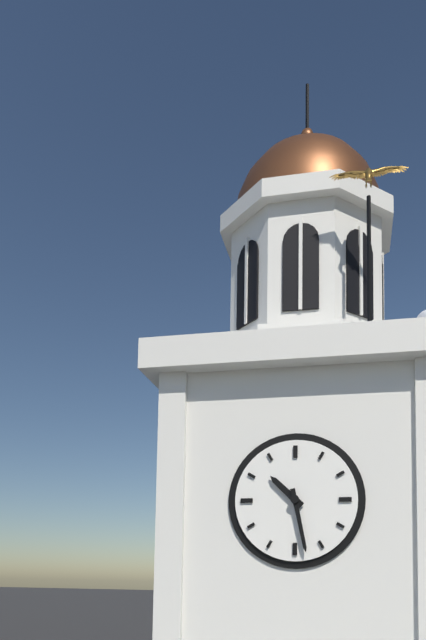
10:28
